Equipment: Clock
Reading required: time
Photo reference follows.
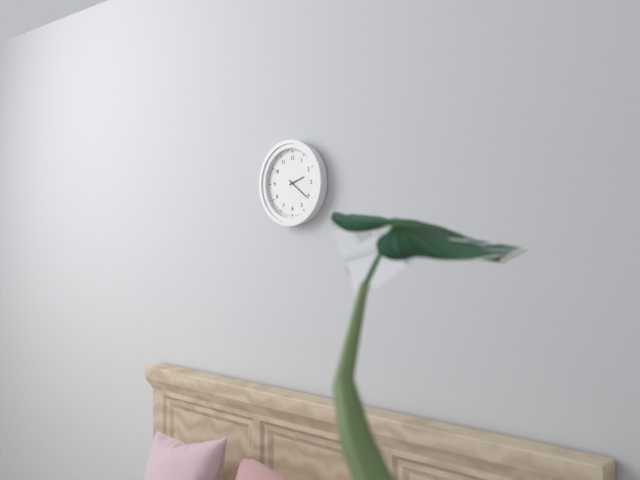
2:21
